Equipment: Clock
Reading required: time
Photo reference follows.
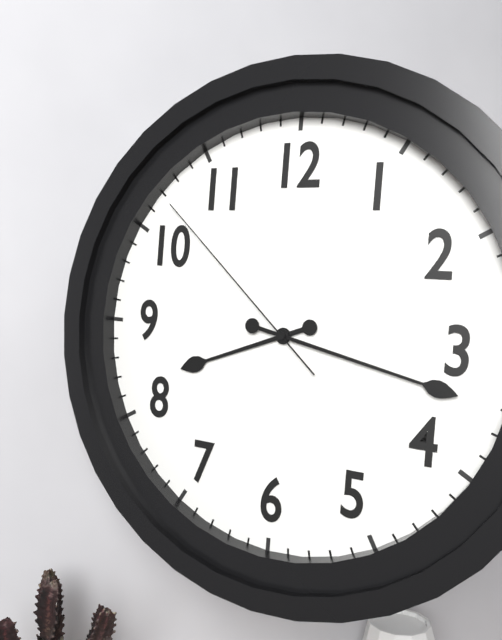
8:17:52
